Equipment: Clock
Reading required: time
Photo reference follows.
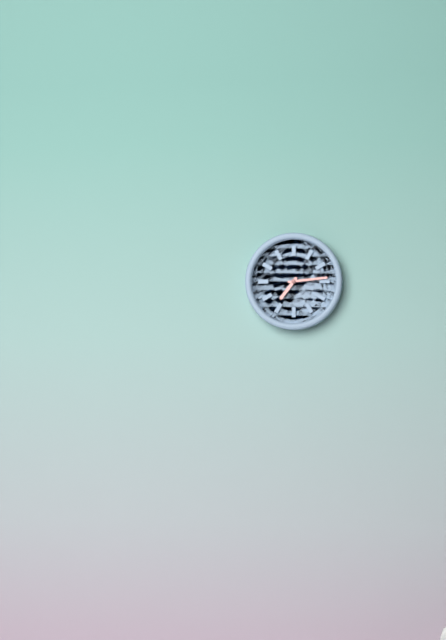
7:14
